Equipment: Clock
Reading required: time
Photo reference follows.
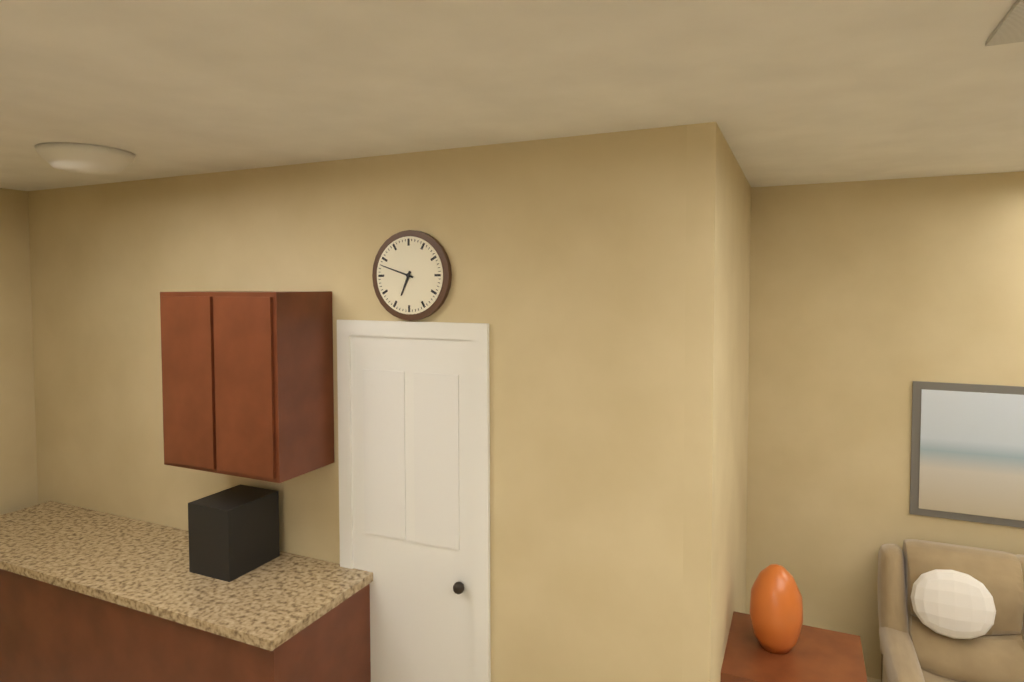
6:48
